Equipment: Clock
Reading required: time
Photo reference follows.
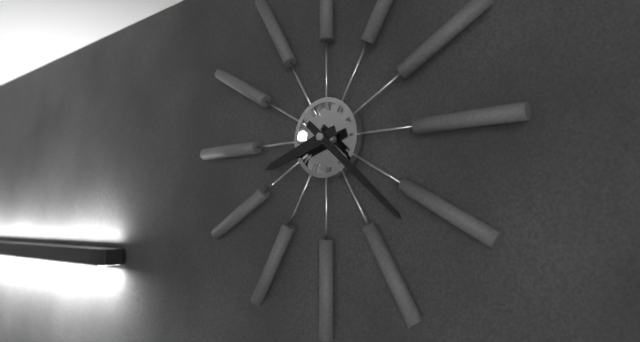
8:22
